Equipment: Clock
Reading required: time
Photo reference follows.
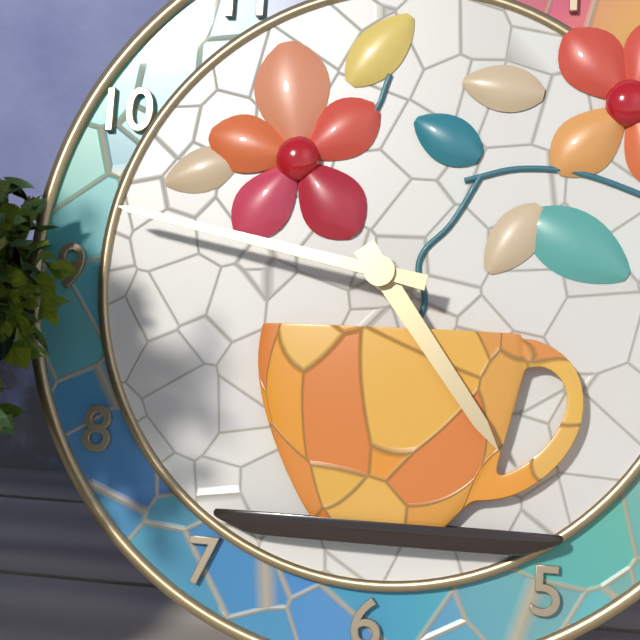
4:47
